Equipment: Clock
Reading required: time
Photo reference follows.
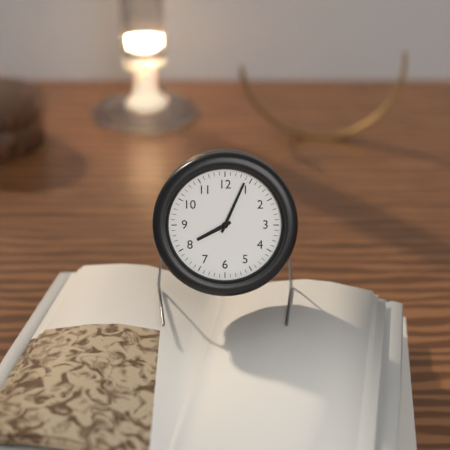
8:04
